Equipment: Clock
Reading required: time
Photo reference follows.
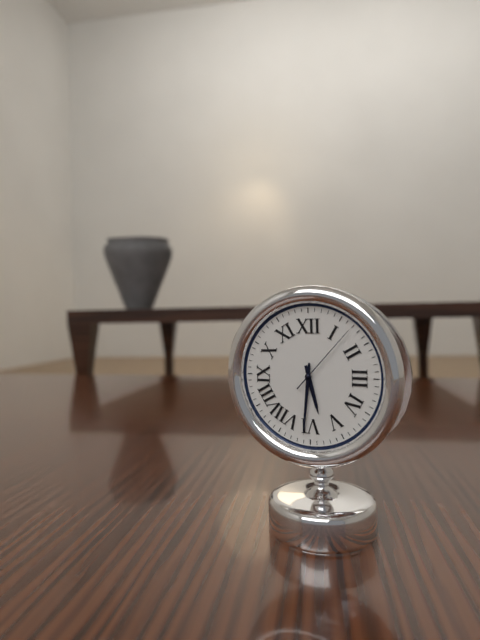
5:31:07
